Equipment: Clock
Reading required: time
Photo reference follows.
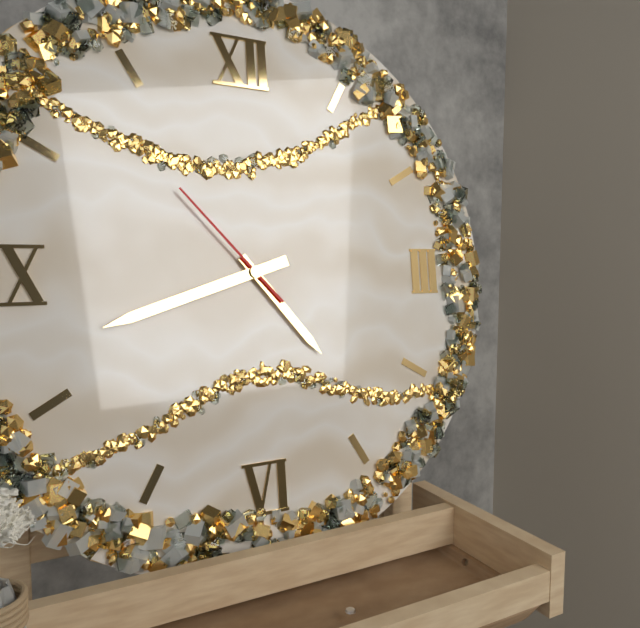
4:42:53
